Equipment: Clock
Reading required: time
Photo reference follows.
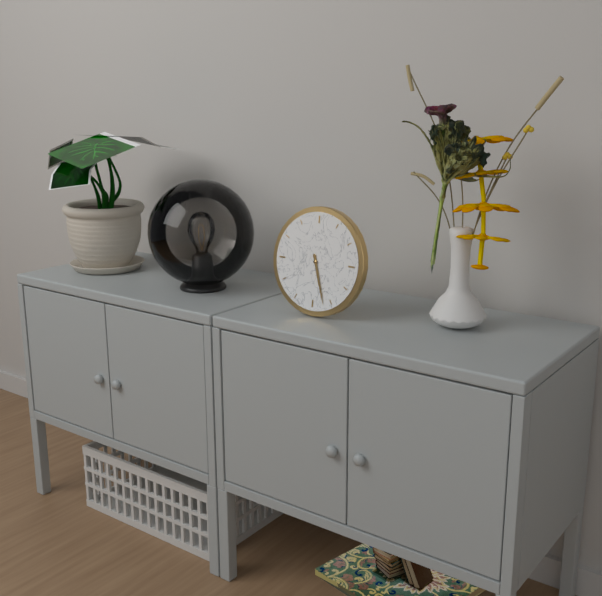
5:27
